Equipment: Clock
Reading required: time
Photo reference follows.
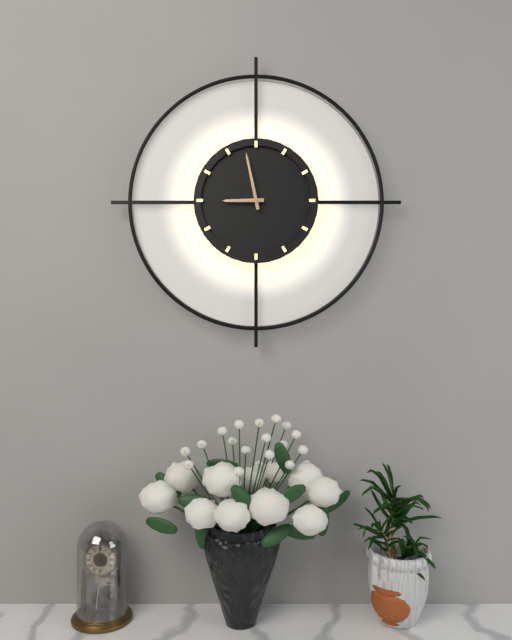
8:58
